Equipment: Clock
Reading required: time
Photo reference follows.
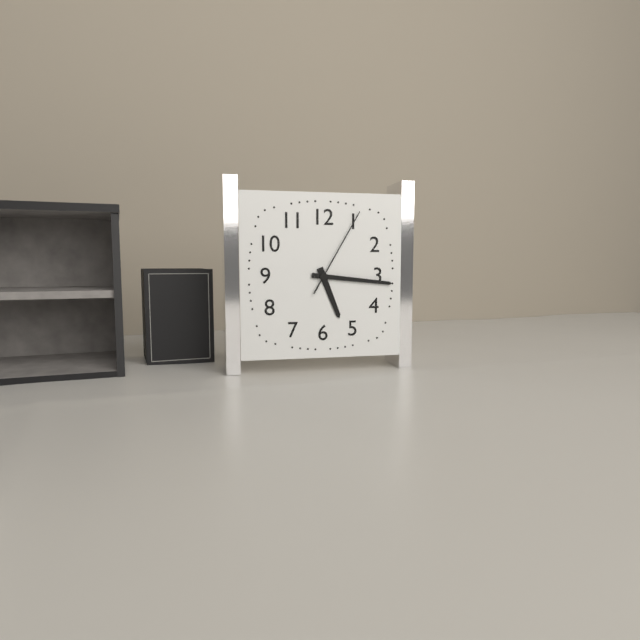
5:16:05
